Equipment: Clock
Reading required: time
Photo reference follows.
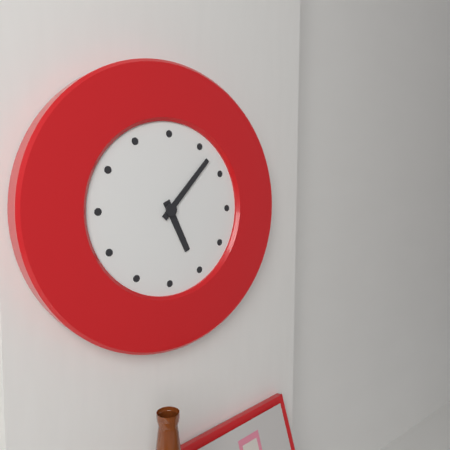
5:07
